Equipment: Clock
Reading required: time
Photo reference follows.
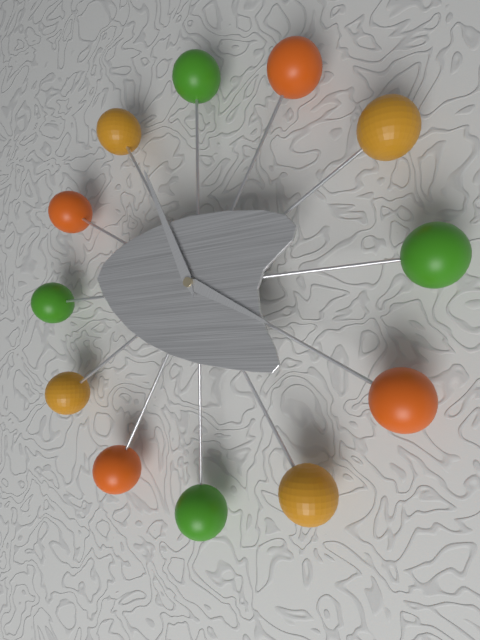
3:56
